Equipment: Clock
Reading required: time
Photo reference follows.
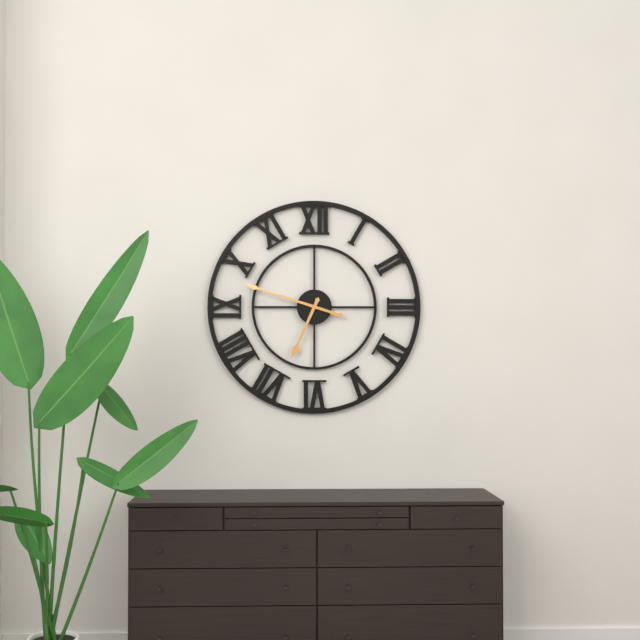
6:48
